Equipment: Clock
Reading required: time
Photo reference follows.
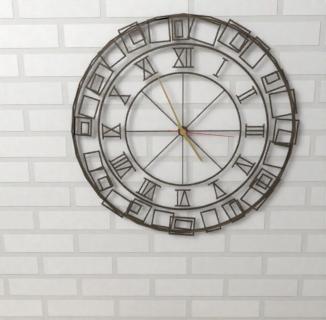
4:56:16
